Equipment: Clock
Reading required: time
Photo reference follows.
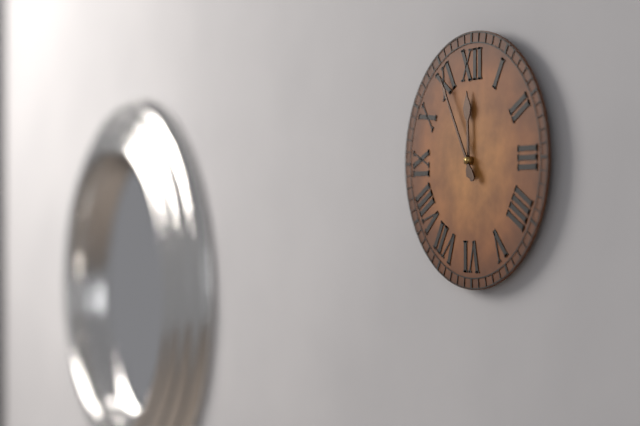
11:55
